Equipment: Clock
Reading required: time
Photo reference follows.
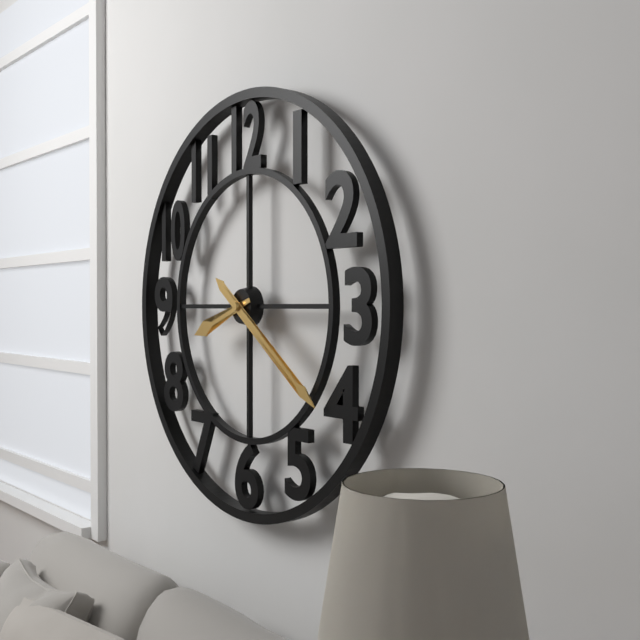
8:21
